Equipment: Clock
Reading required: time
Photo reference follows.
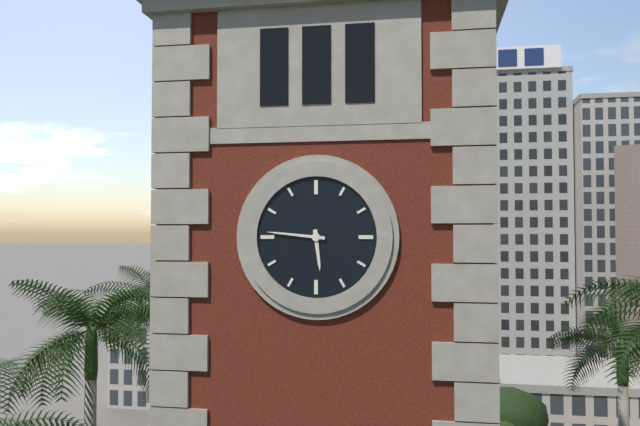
5:46
